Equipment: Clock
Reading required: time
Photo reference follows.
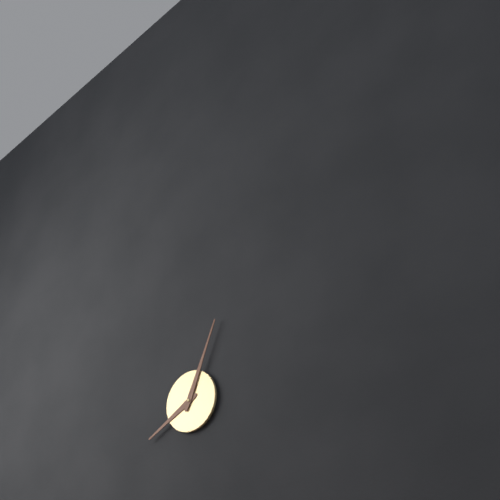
8:04
